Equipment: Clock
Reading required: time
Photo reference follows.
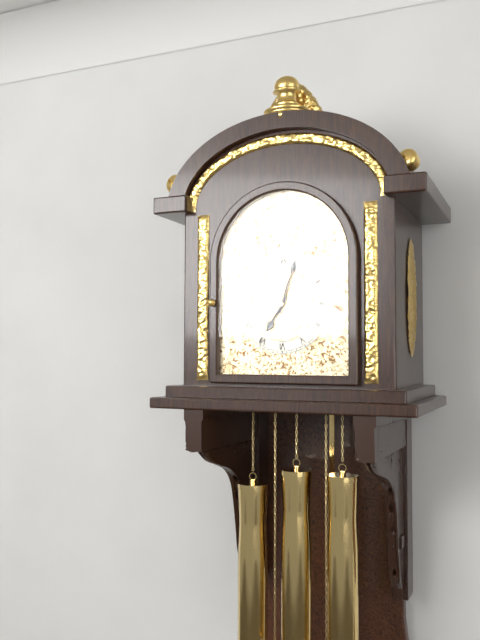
7:03
